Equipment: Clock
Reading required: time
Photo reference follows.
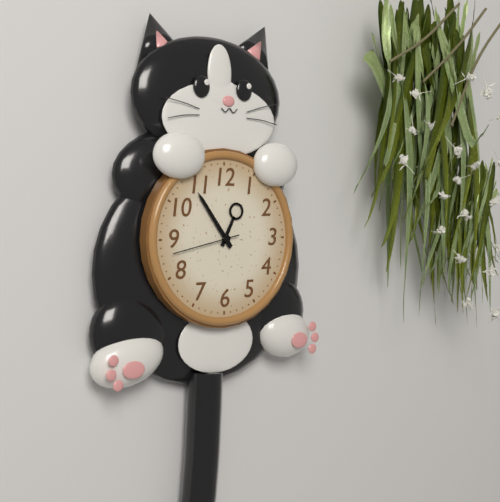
12:54:43
